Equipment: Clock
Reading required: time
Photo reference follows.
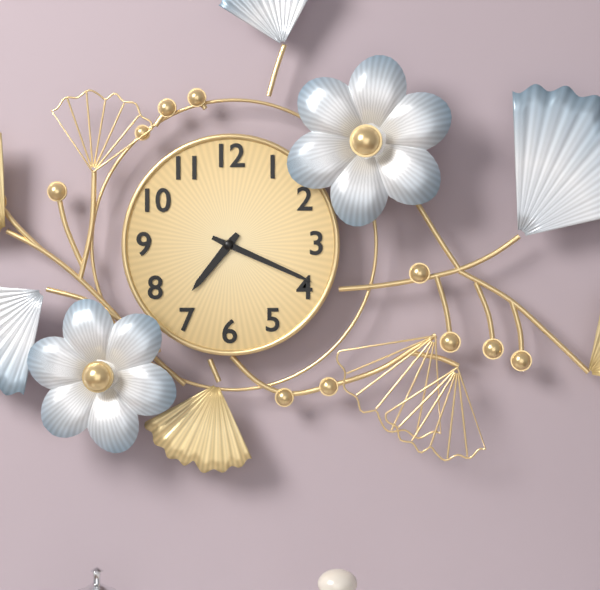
7:19
